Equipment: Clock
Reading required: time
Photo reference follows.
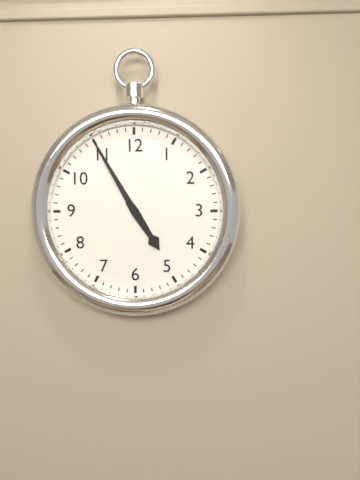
4:55
